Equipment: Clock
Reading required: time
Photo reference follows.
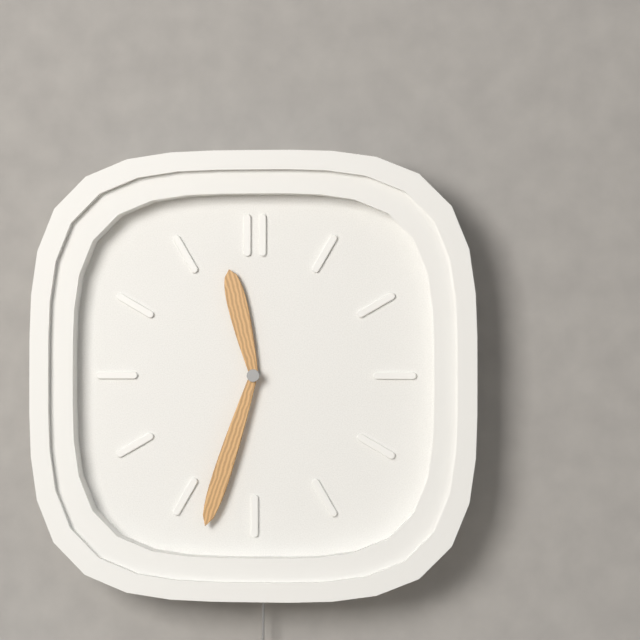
11:33
